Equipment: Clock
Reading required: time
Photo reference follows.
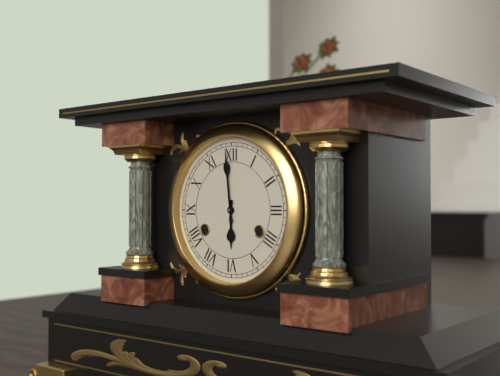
5:59
